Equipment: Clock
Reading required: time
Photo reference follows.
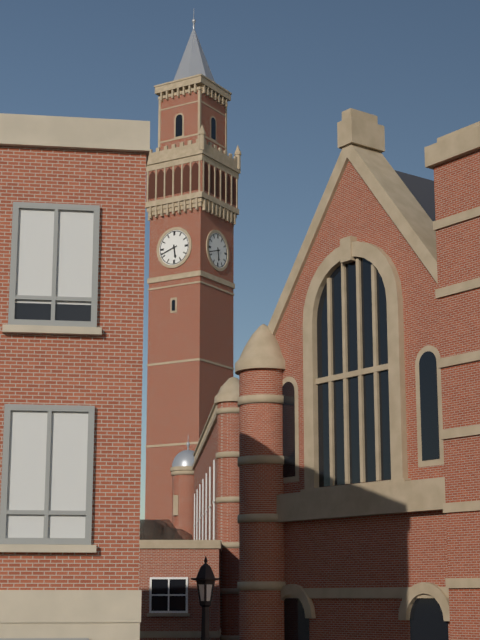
5:42
